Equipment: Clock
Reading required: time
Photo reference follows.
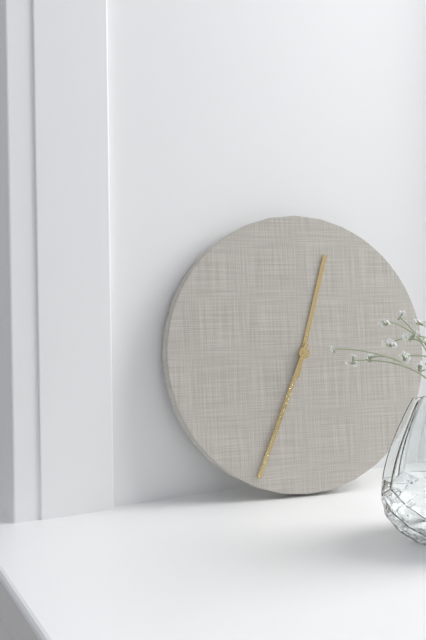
12:34
